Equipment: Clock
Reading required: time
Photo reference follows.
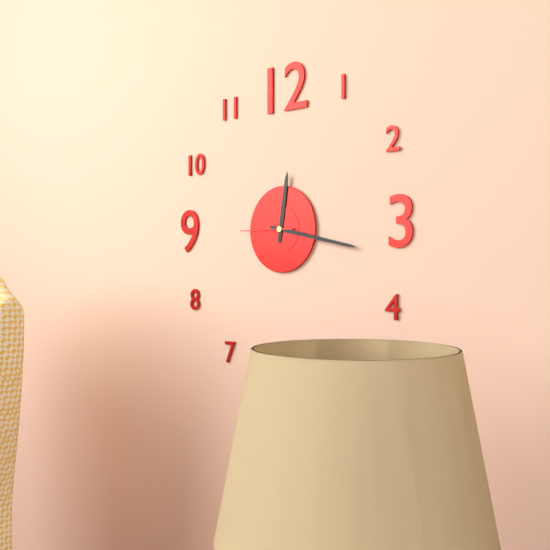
12:17:45
